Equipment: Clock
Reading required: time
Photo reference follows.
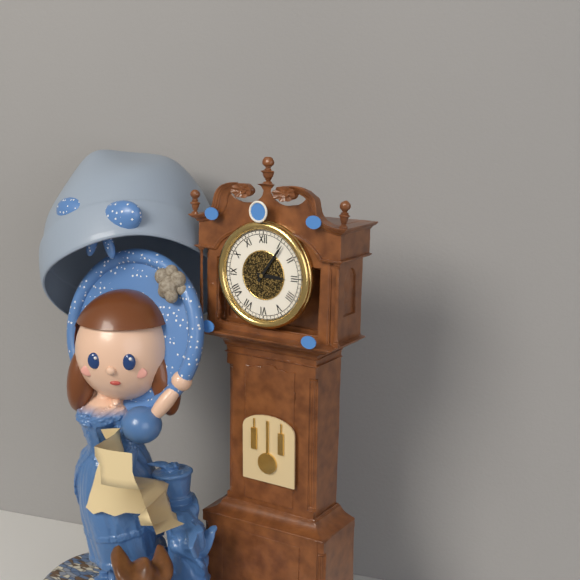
3:06
